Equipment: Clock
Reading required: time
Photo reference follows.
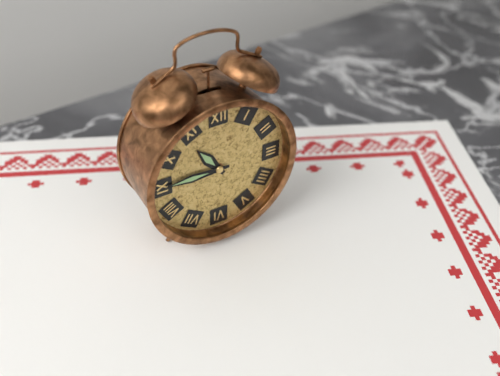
10:45
